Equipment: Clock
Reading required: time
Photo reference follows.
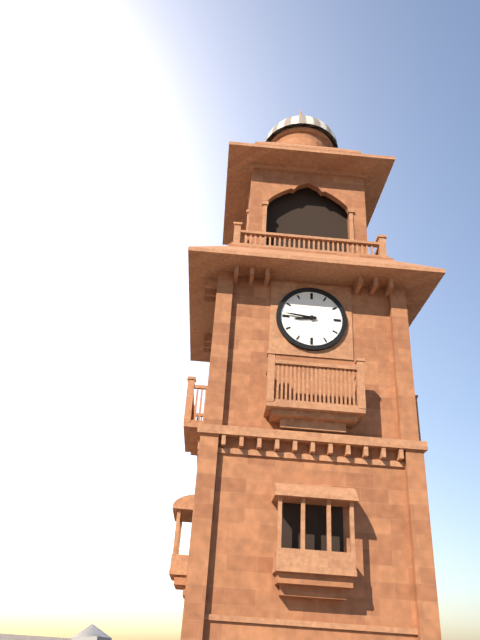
8:46
